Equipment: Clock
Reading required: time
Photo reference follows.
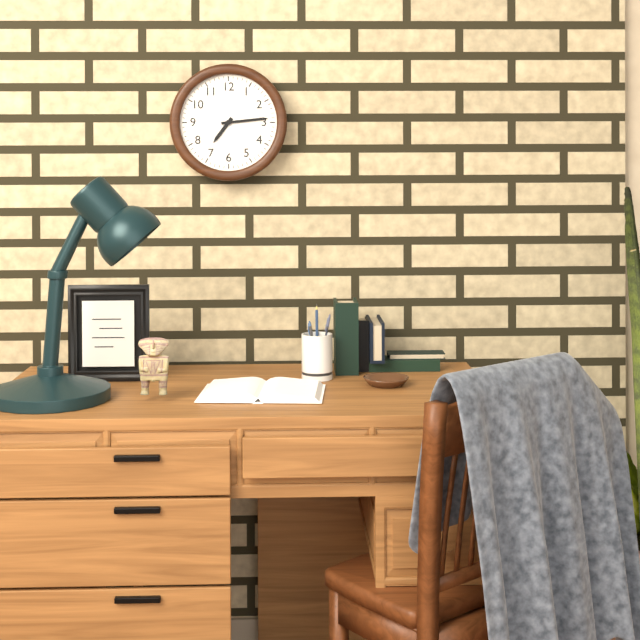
7:14
